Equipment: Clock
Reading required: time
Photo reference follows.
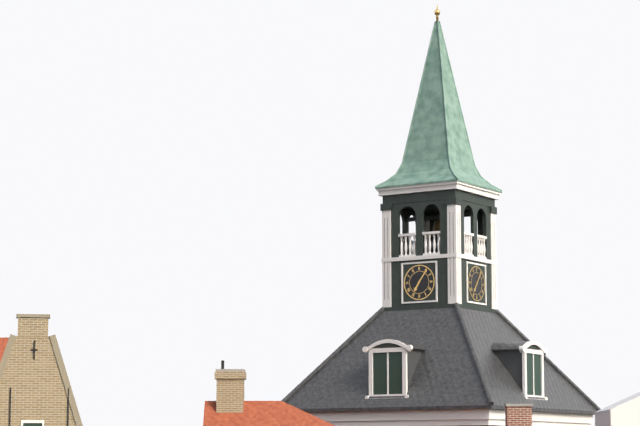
7:06
